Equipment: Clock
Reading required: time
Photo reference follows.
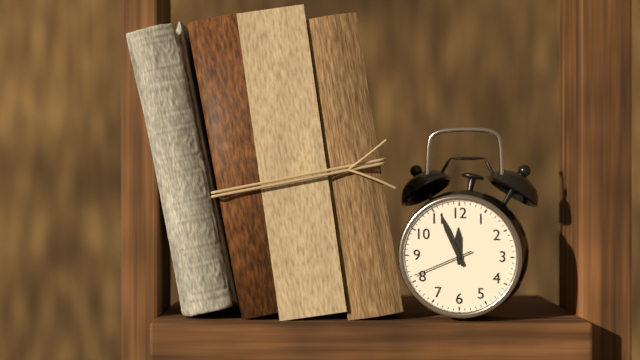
11:56:41
